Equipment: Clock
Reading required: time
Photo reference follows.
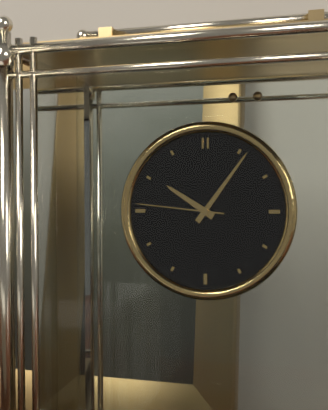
10:06:46
